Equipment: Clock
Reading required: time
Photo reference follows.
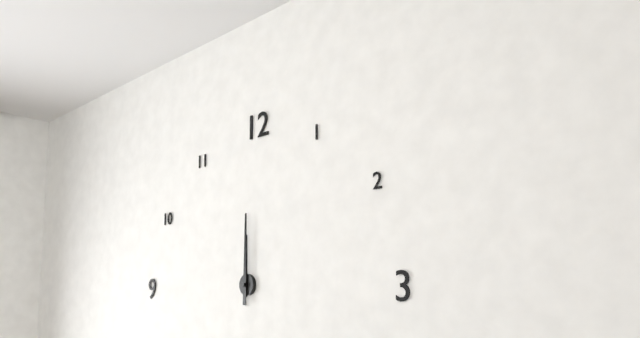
12:00
